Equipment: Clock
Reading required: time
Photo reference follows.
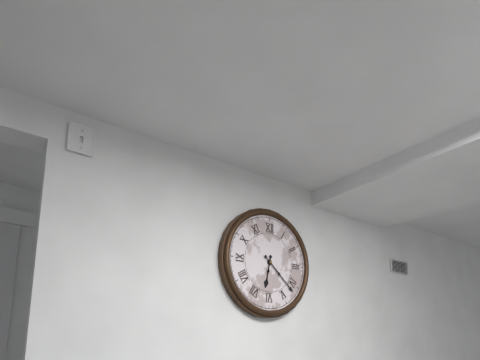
6:22
